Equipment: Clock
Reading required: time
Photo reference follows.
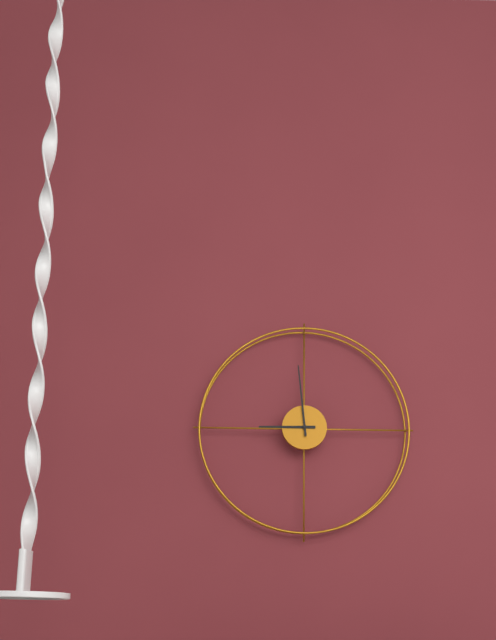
8:59
